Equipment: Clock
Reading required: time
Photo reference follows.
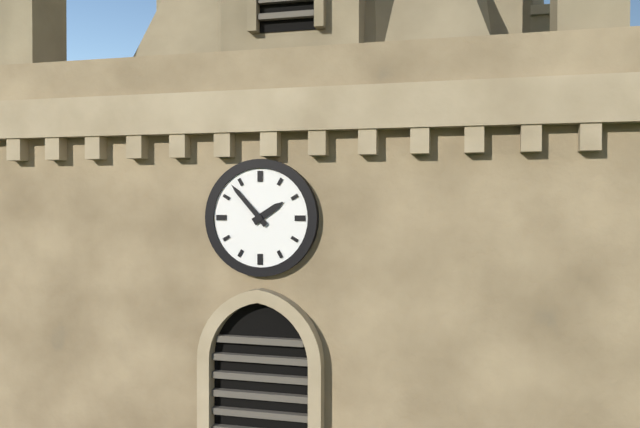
1:53
